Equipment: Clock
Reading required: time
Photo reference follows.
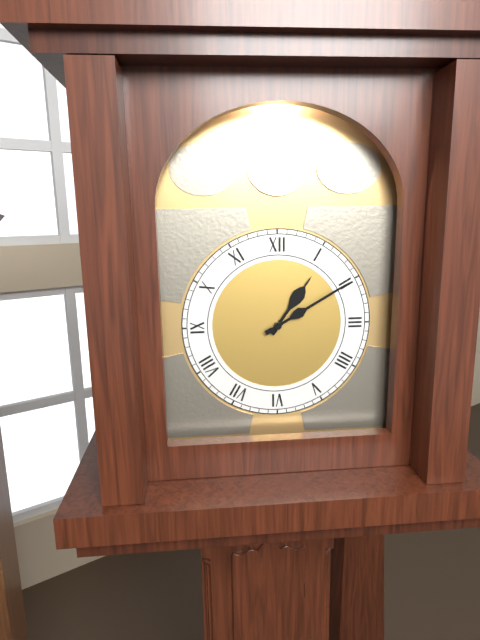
1:10
